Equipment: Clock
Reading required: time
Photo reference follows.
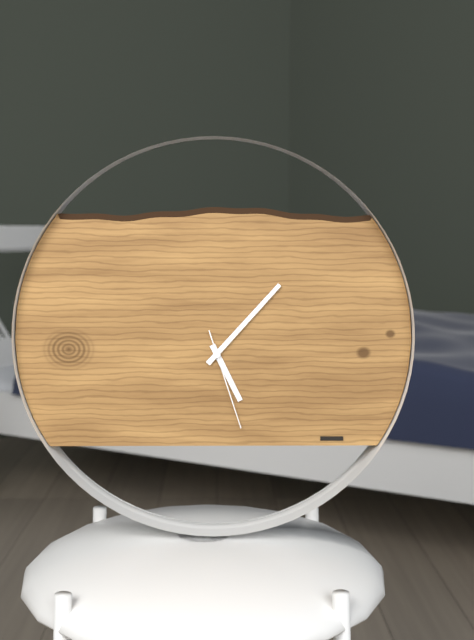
5:07:27
